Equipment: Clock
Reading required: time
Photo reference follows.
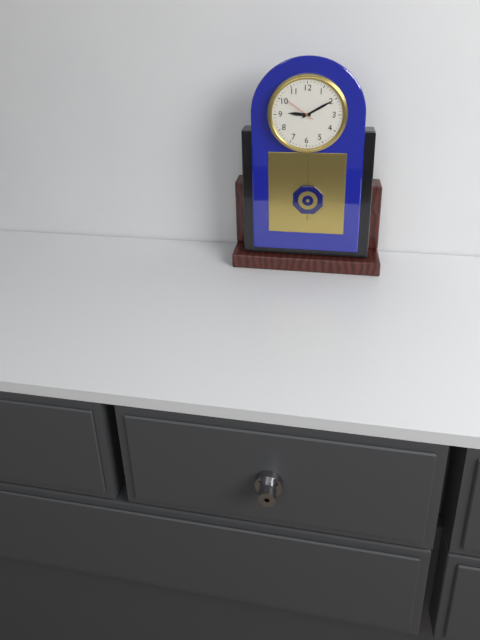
9:10
